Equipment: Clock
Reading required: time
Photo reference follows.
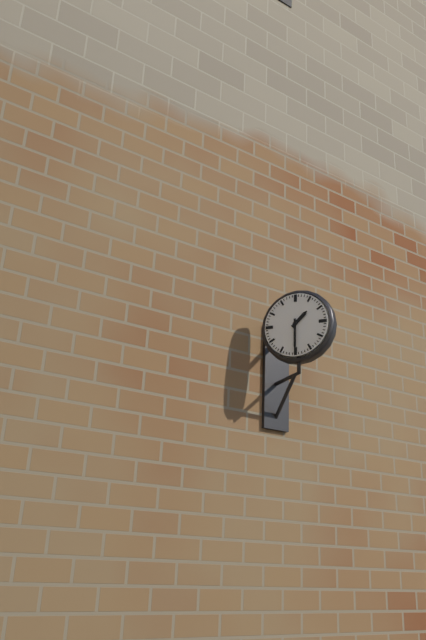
1:30
